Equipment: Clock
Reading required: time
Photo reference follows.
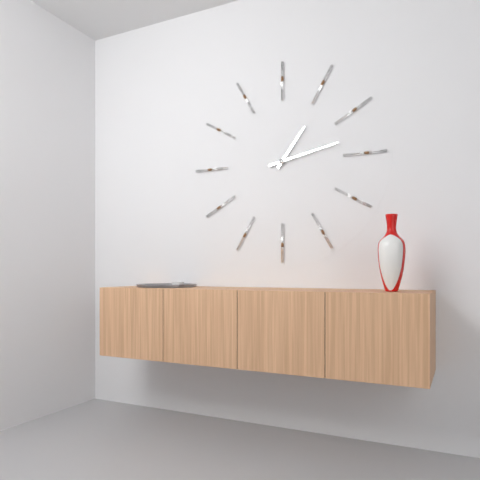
1:13
